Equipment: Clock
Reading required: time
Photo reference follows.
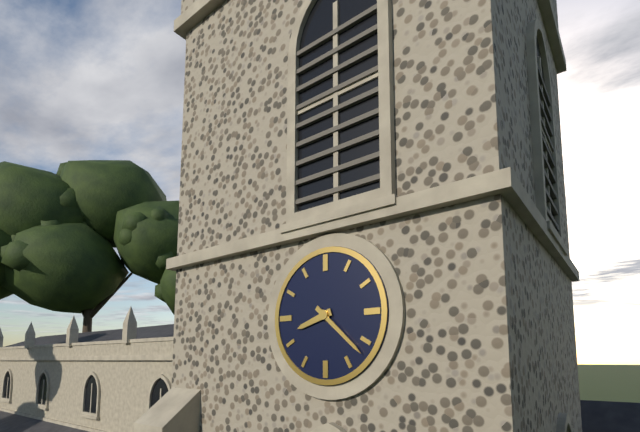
8:22
